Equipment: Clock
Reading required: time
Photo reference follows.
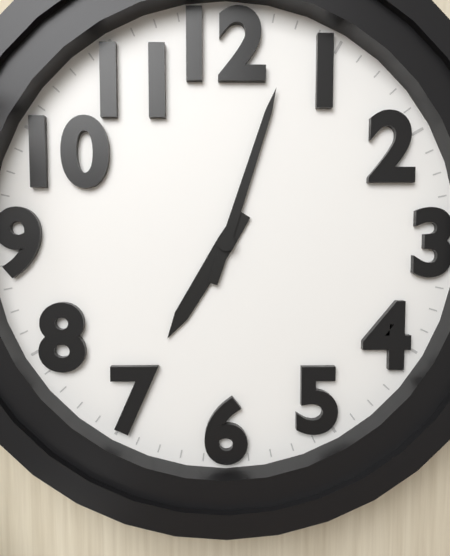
7:03
